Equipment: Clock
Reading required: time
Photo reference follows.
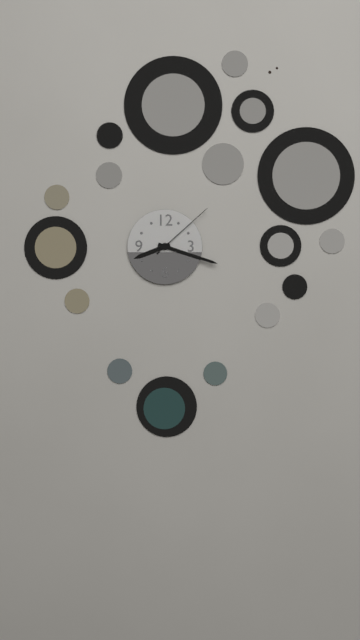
8:18:08
